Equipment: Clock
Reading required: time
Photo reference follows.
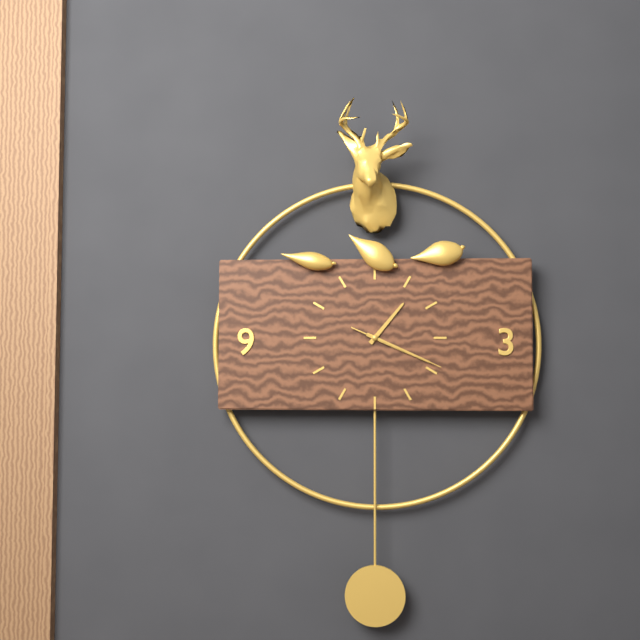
1:19:19
